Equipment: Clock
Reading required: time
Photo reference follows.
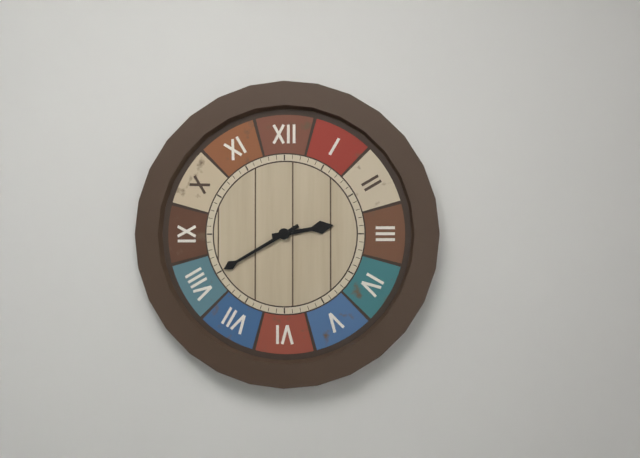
2:40
